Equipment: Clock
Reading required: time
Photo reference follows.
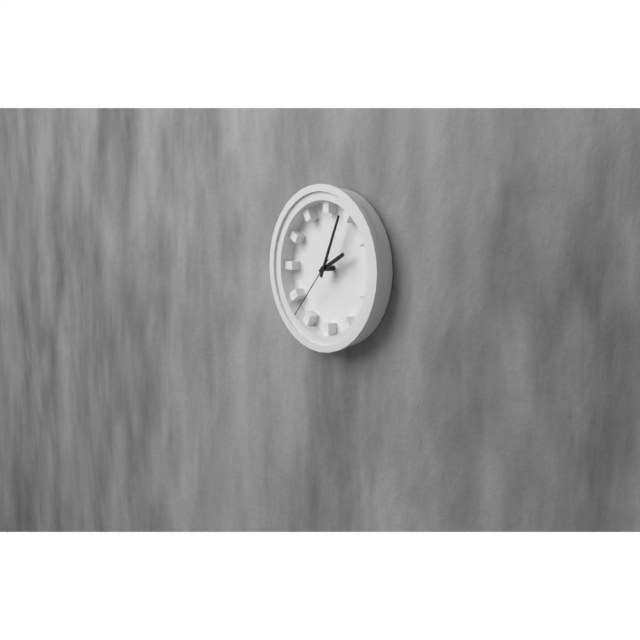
2:04:37
